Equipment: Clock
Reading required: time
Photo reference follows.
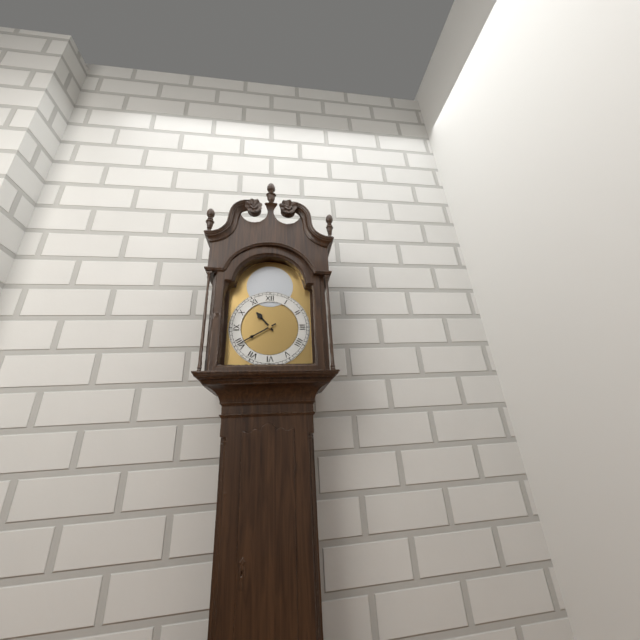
10:40
